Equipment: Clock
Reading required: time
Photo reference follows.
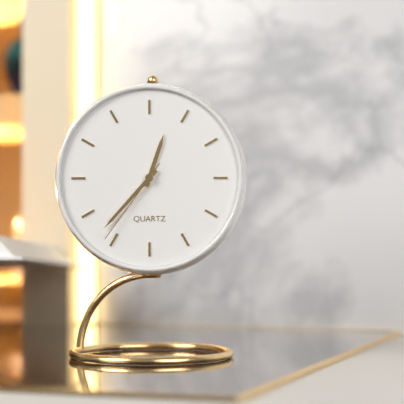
12:37:36
